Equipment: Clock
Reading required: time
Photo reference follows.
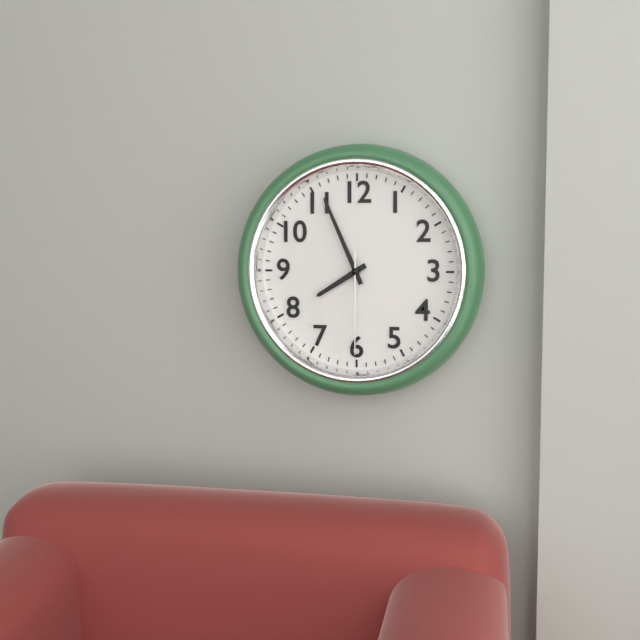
7:56:30
